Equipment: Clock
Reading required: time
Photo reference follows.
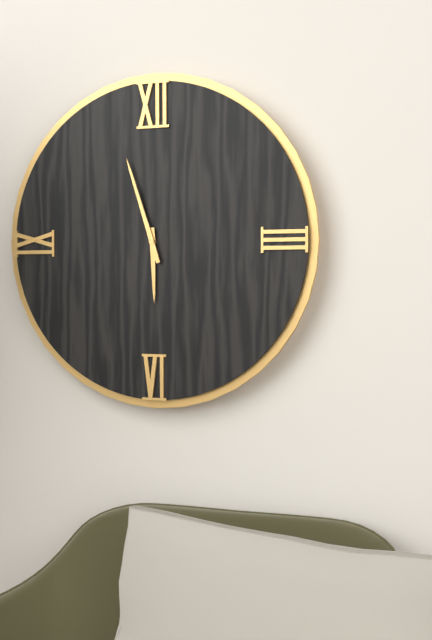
5:57
